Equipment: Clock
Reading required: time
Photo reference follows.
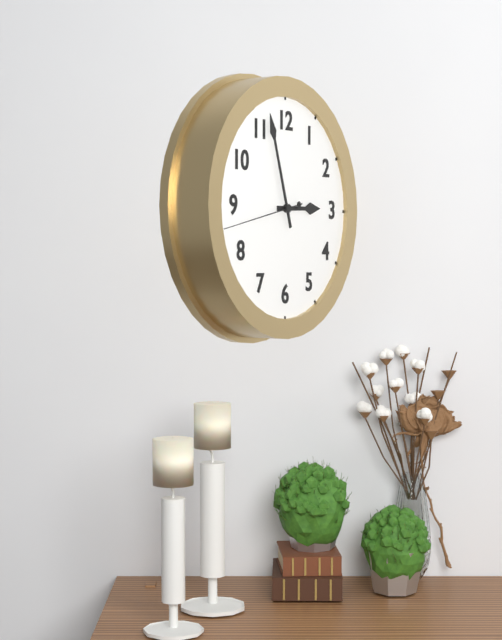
2:57:43
